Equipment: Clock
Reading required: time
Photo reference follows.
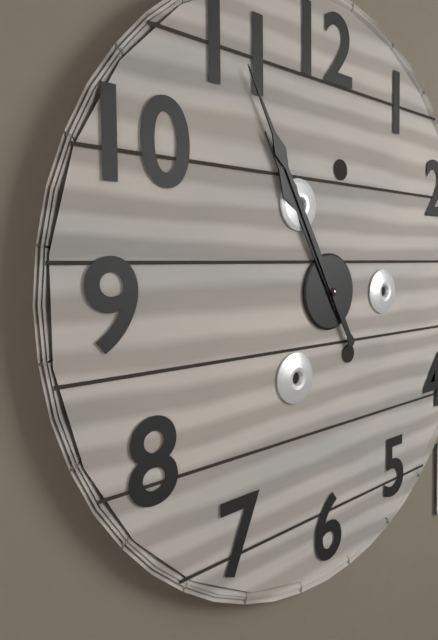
10:55
